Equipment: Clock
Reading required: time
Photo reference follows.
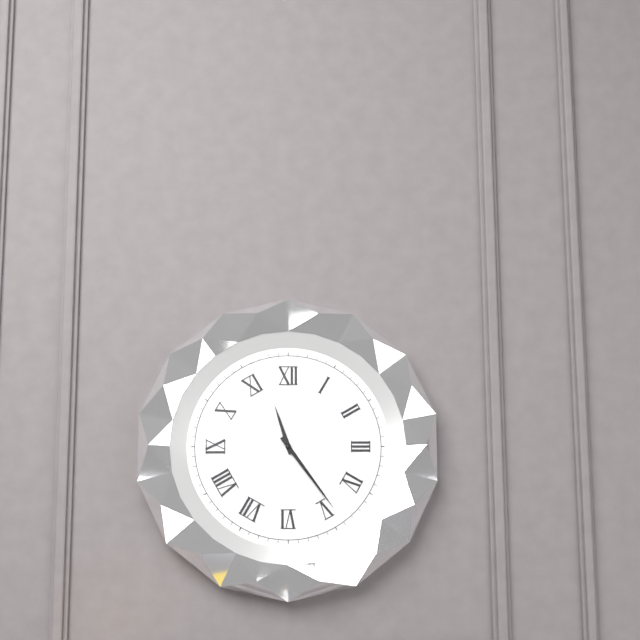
11:24
